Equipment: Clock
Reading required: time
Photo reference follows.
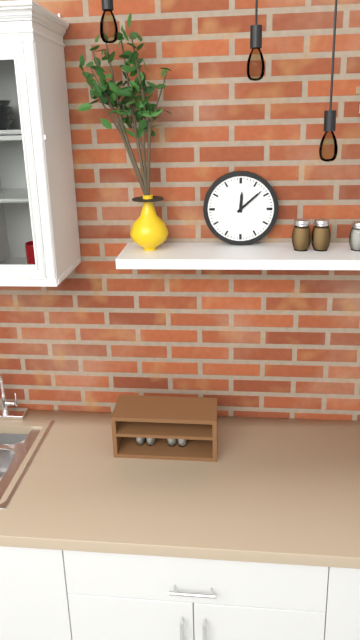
12:08
